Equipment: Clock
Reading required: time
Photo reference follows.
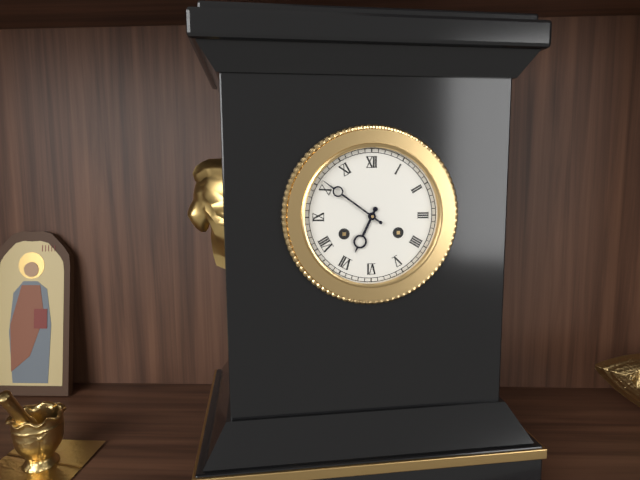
6:51
